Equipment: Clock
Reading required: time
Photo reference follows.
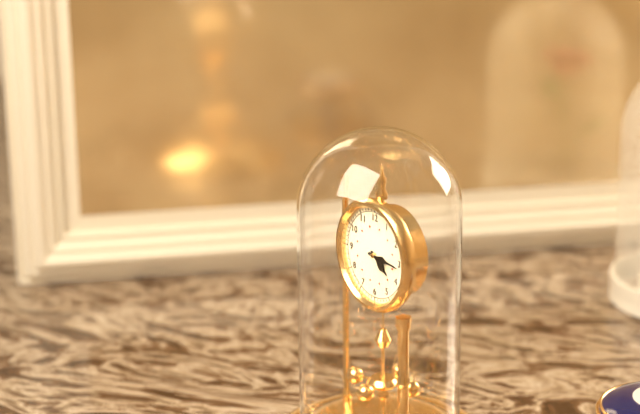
4:16
